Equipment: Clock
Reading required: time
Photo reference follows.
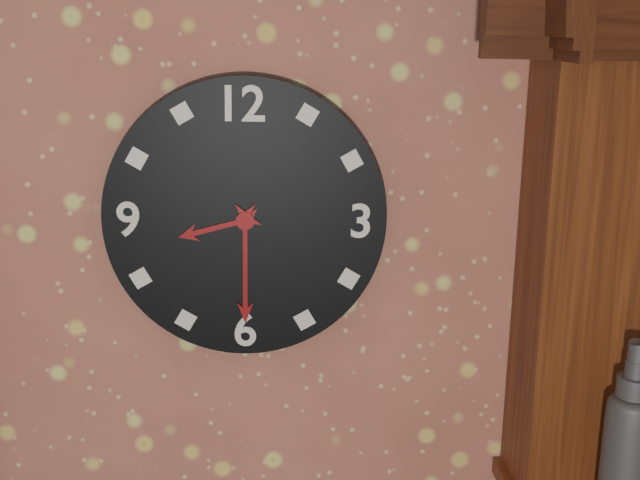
8:30
